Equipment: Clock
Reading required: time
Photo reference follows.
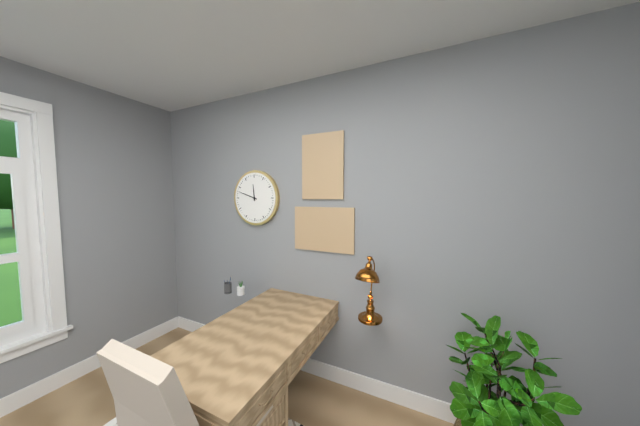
11:48
